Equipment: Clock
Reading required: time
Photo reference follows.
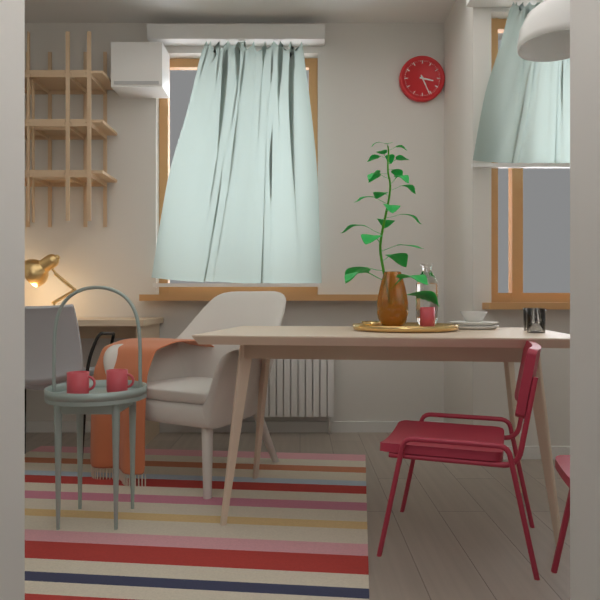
3:26
